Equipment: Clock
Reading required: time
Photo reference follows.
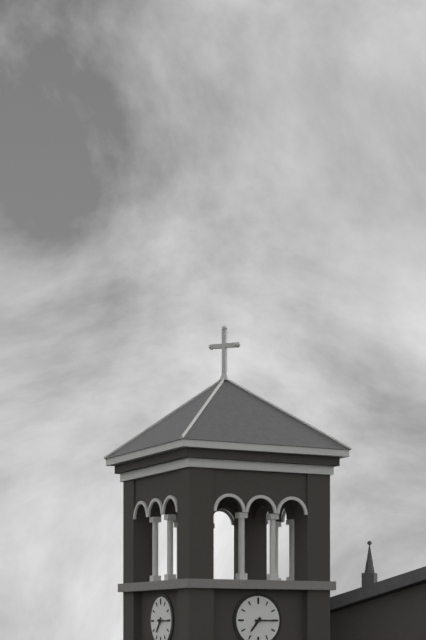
7:15
